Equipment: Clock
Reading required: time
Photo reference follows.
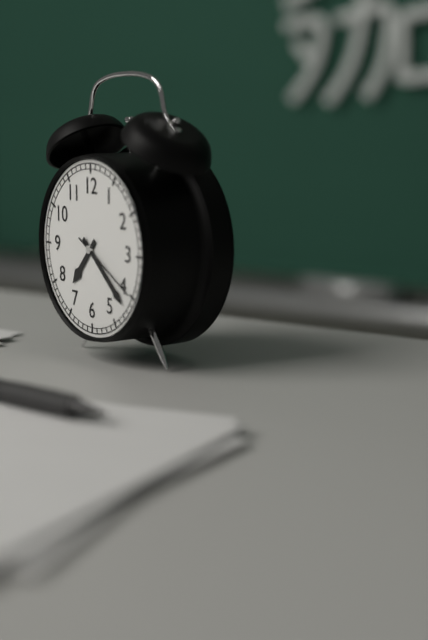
7:22:20
